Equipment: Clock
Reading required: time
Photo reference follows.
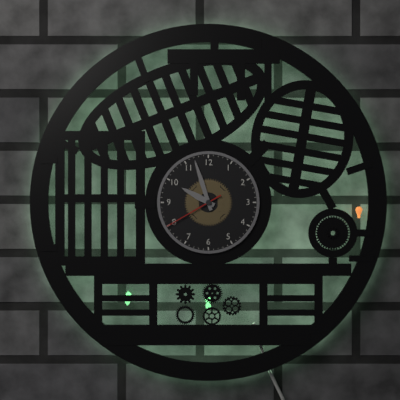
9:57:40
